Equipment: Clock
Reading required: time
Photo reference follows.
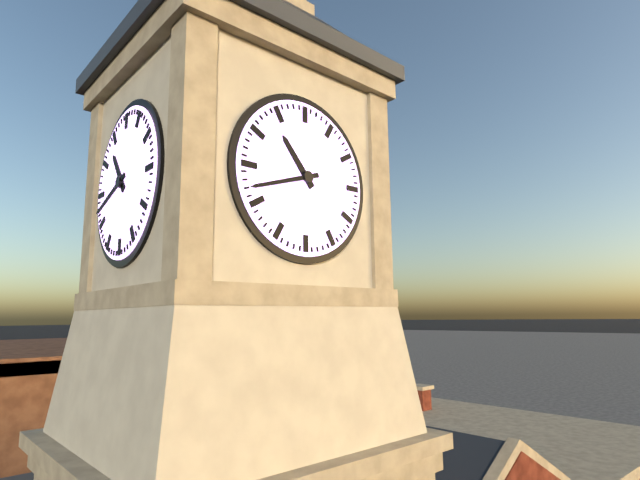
10:42
